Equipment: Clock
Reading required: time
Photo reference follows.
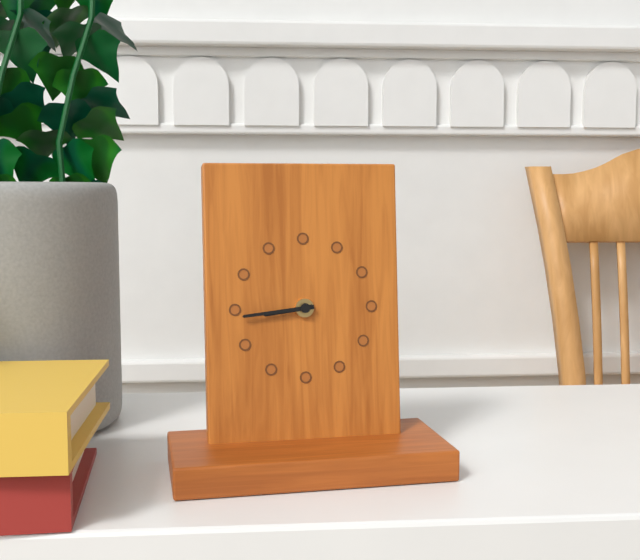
8:44
